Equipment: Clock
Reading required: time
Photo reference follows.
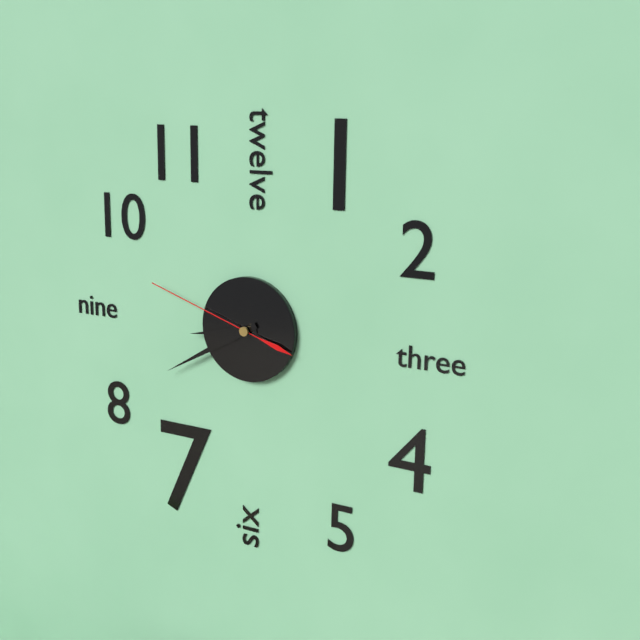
8:40:48
